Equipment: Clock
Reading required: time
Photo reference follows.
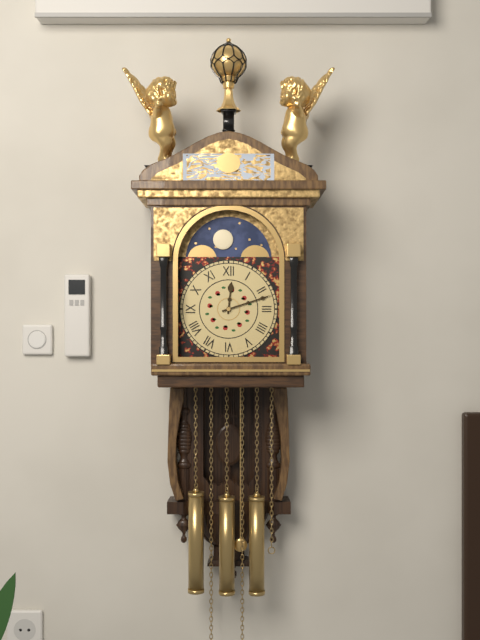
12:12
